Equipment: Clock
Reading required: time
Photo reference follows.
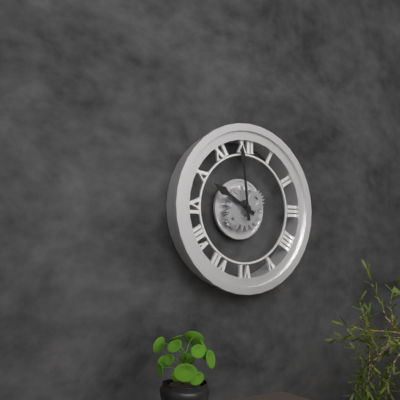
9:59
